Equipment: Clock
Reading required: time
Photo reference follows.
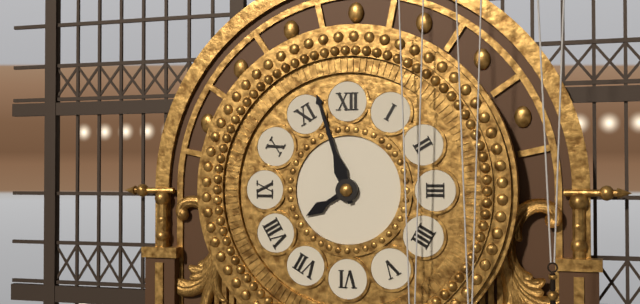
7:57
